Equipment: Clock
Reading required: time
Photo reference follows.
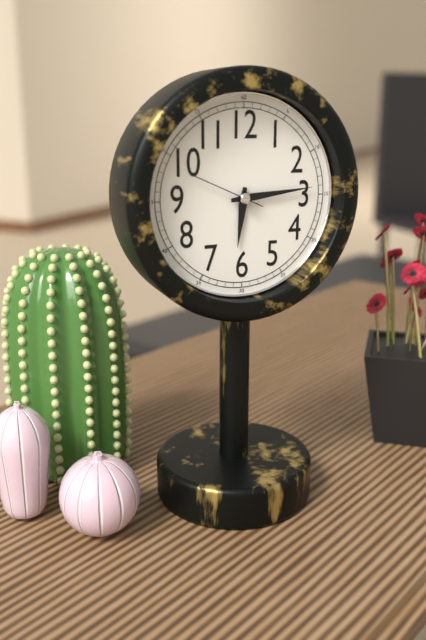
6:14:49
